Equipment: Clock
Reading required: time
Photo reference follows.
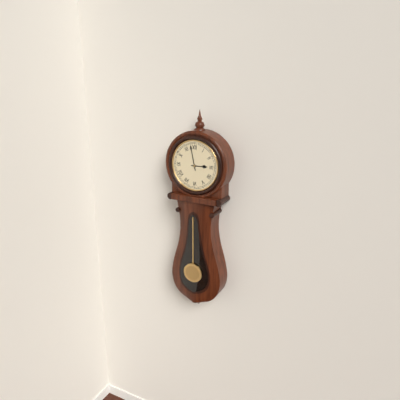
2:58
